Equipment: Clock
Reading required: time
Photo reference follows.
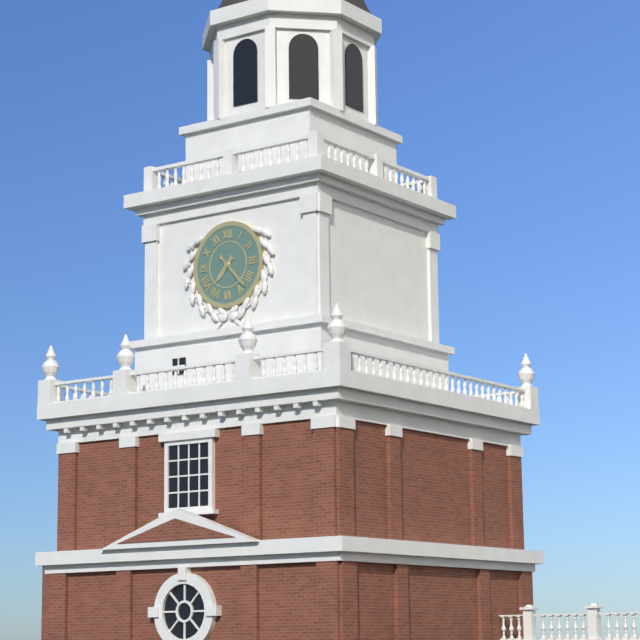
7:23
